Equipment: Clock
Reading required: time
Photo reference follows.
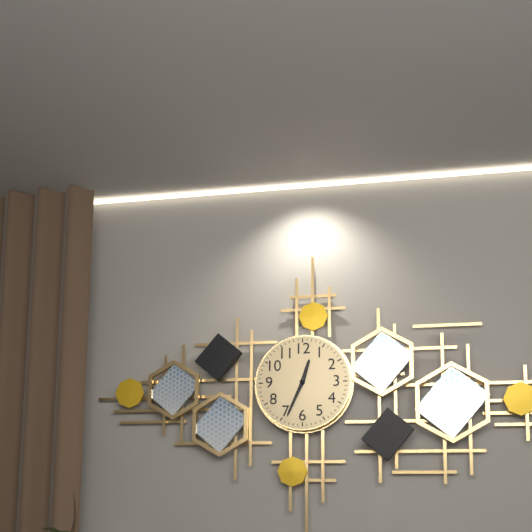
12:34
